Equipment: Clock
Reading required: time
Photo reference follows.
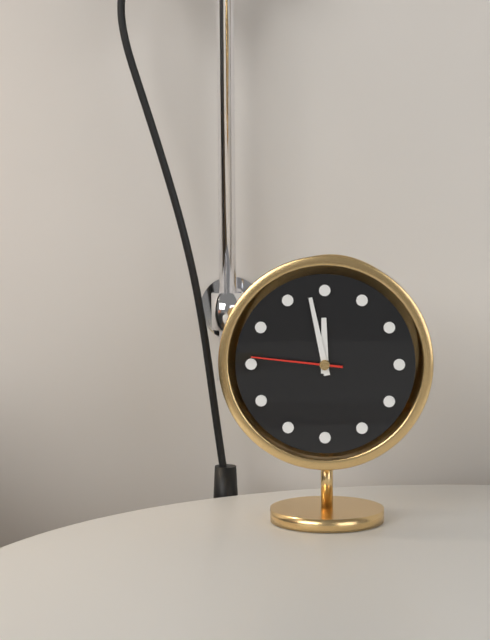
11:58:46
